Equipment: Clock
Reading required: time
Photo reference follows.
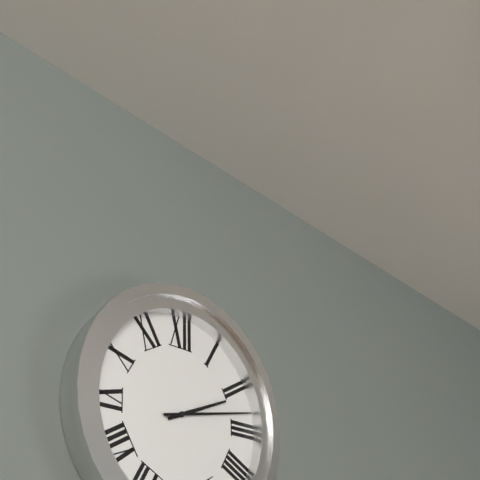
2:13
